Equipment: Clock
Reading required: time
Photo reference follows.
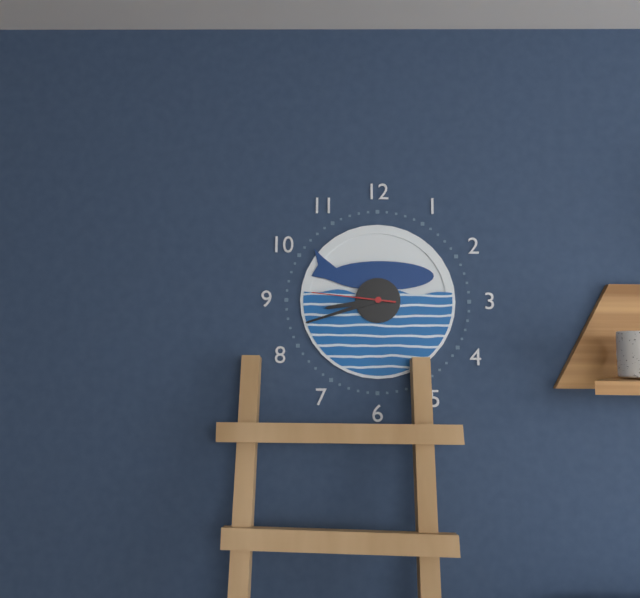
8:42:46
